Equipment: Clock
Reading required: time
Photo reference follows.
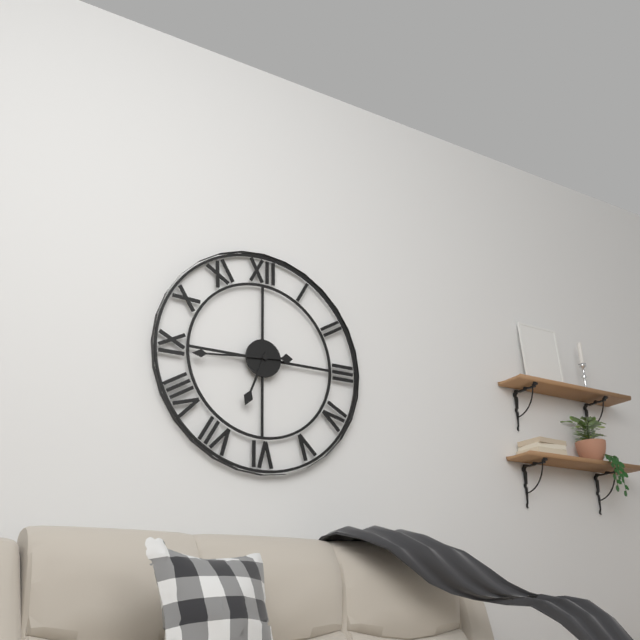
6:44
